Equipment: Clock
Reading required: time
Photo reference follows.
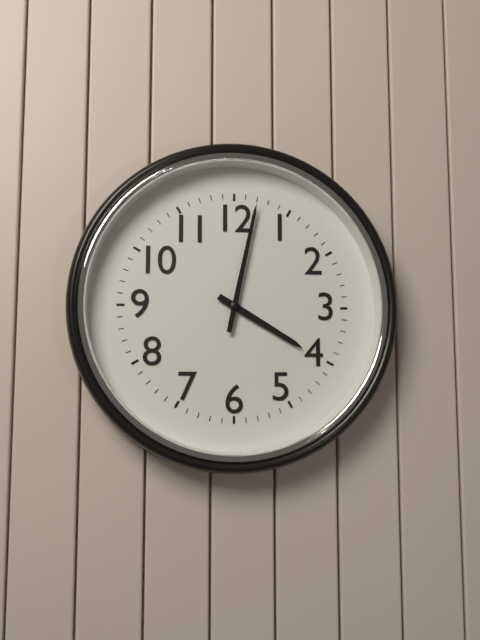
4:02
